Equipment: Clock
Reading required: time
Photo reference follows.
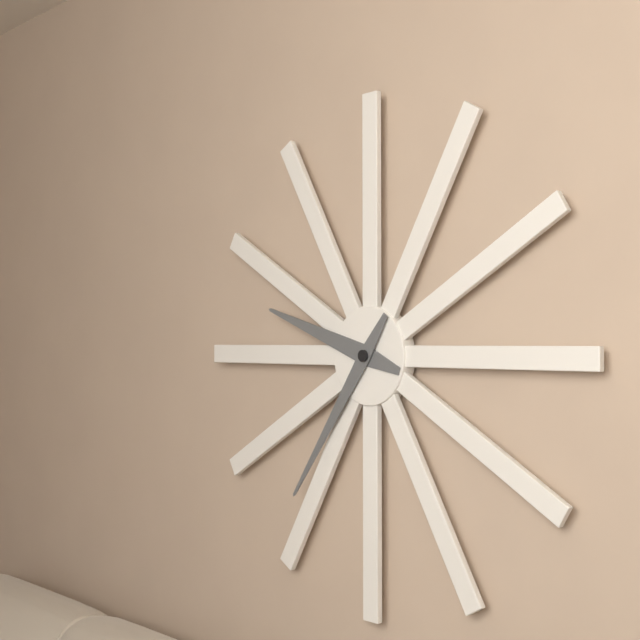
9:36
